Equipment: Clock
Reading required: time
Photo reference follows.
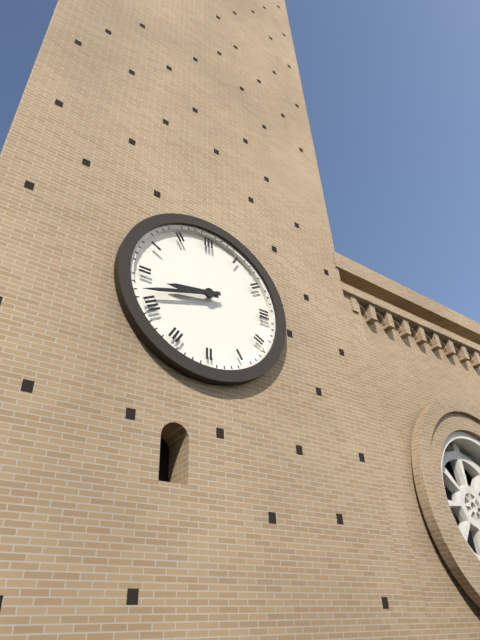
8:42
